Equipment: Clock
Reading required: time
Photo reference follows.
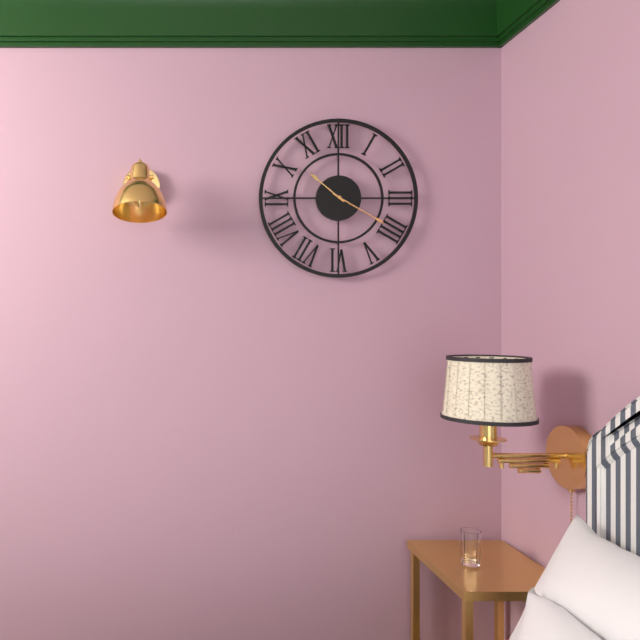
10:20
